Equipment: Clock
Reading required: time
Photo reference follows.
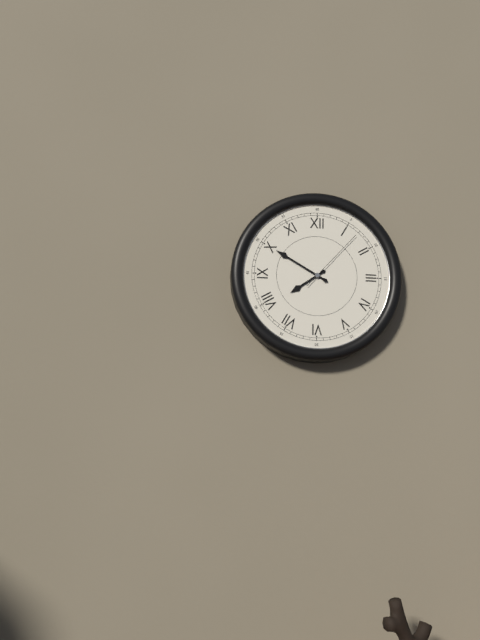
7:50:07
